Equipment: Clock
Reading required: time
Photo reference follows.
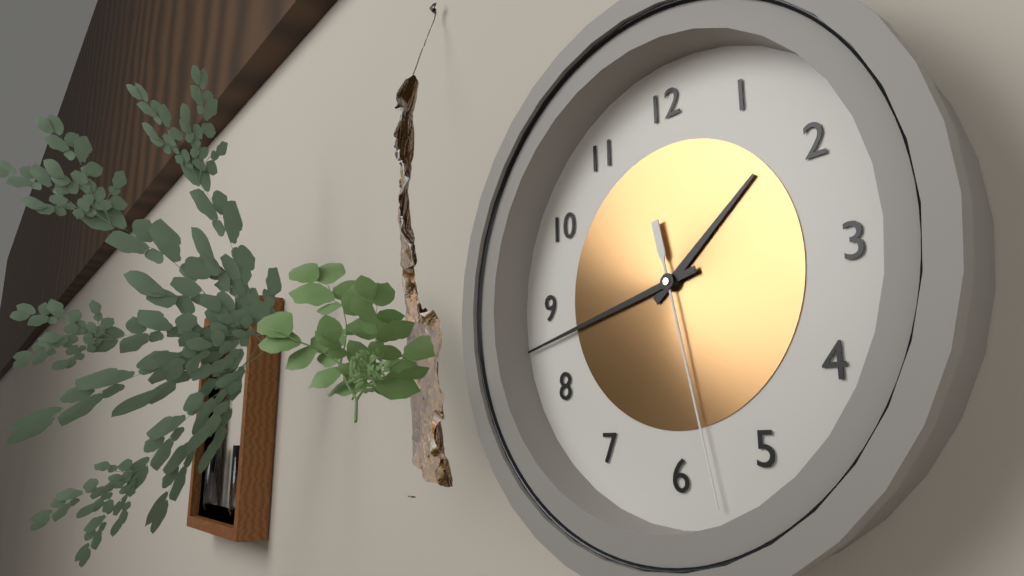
1:43:28
